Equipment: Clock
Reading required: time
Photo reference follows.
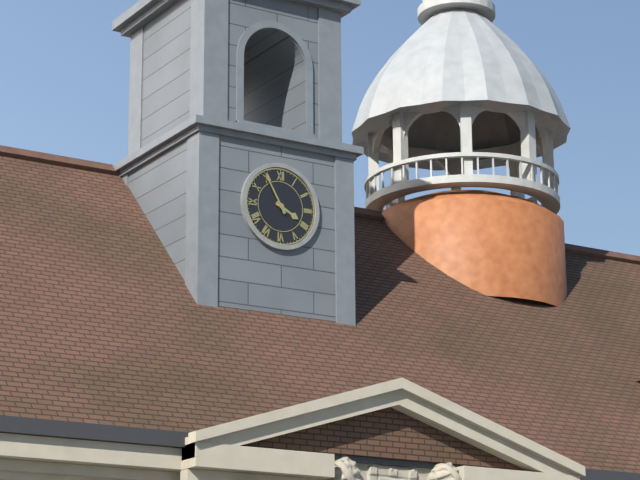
3:55
